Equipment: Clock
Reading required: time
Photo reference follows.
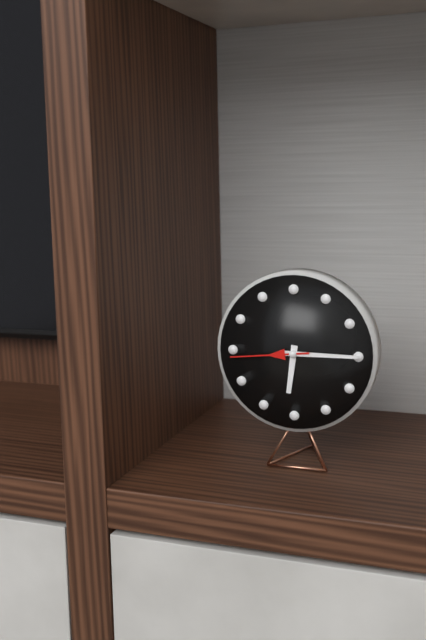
6:15:44
